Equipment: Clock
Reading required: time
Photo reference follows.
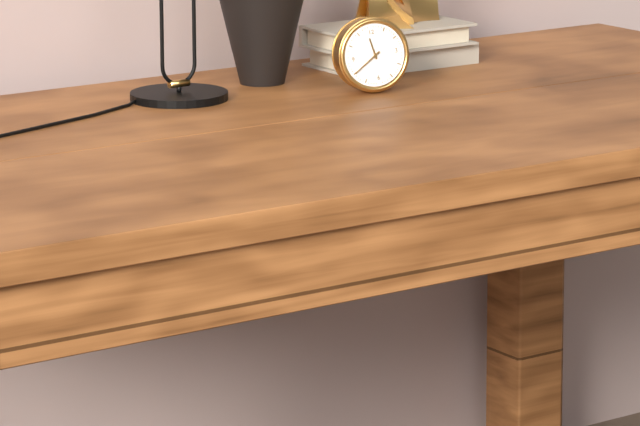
11:40
